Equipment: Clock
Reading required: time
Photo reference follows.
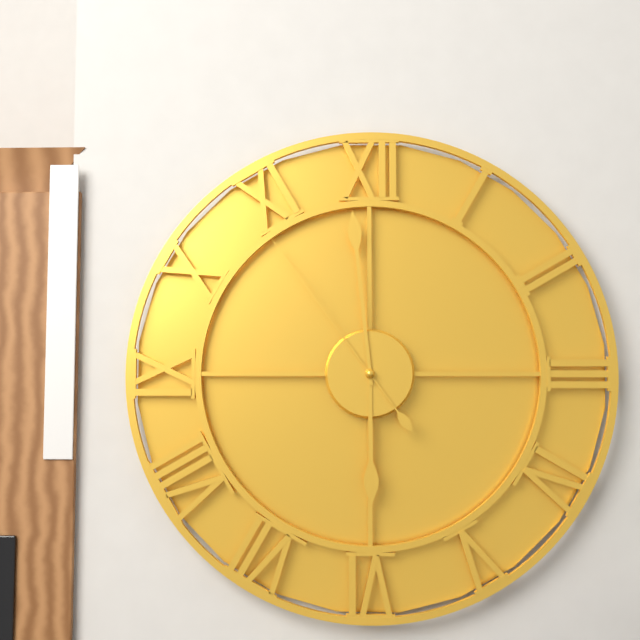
5:59:54
